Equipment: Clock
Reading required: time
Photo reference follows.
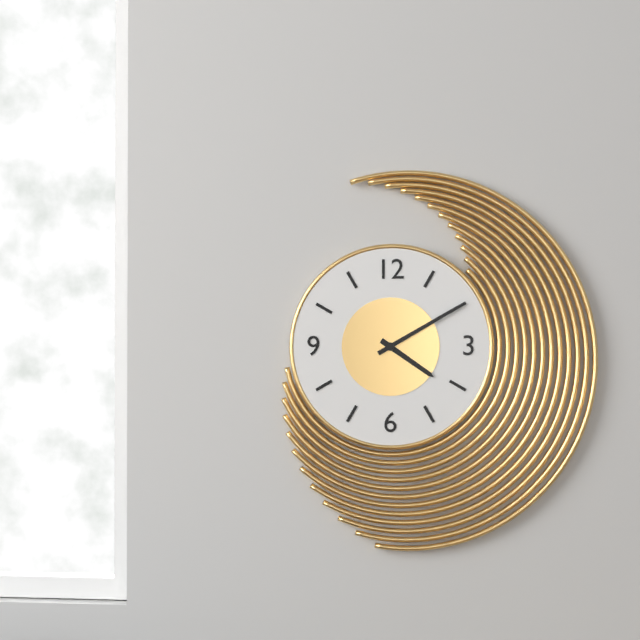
4:10
